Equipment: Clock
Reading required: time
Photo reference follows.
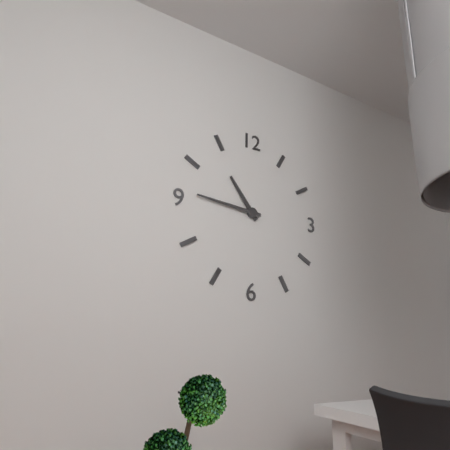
10:46
